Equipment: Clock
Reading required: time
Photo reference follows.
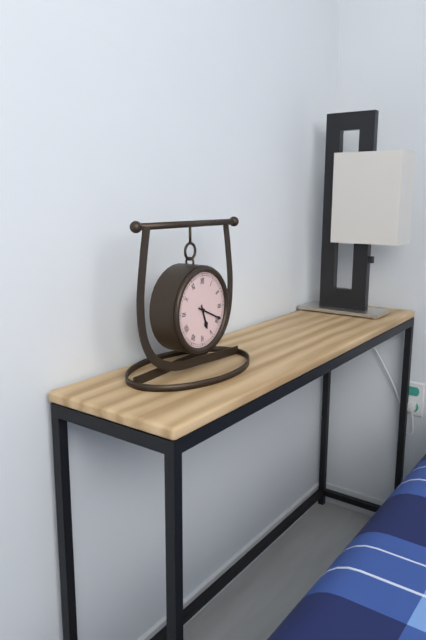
5:19
